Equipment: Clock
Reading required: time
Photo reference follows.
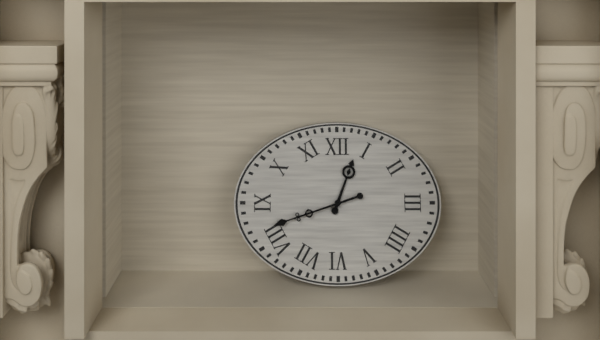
12:42
